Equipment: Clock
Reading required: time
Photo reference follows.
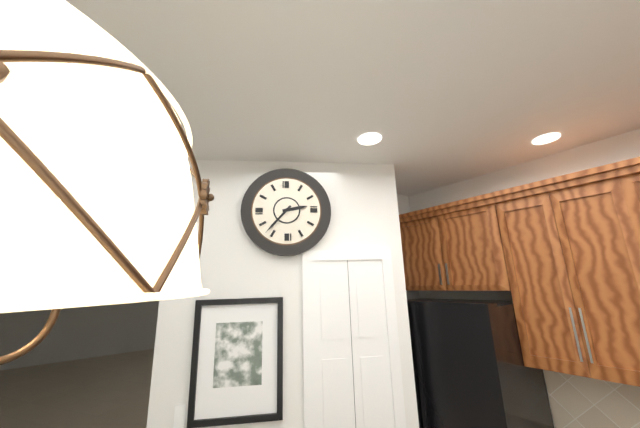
2:37
